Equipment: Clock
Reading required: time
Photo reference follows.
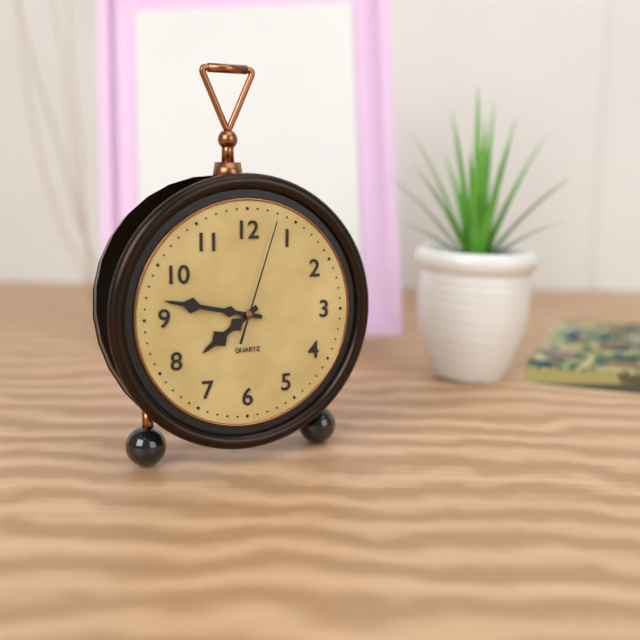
7:47:03
